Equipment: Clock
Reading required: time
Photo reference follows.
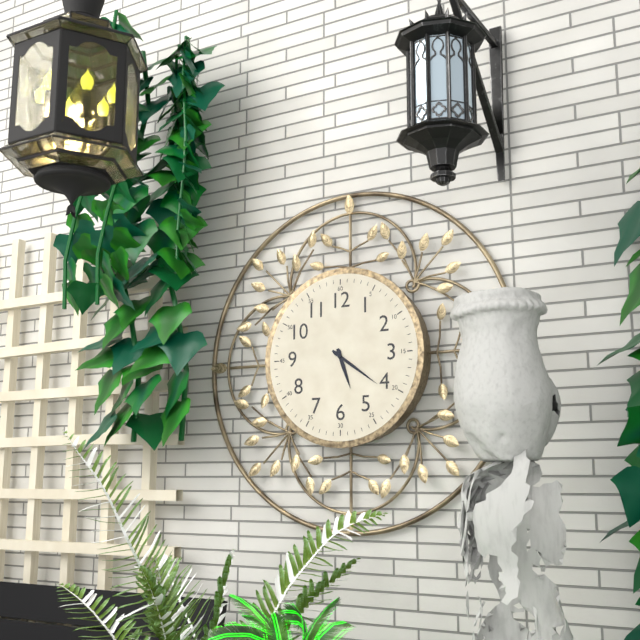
5:21
